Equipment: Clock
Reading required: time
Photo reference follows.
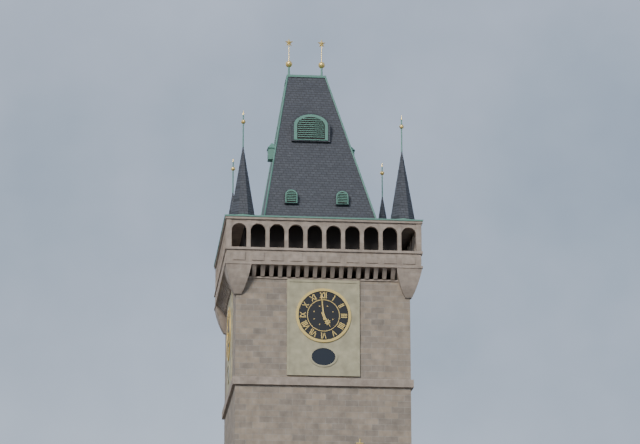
4:59
